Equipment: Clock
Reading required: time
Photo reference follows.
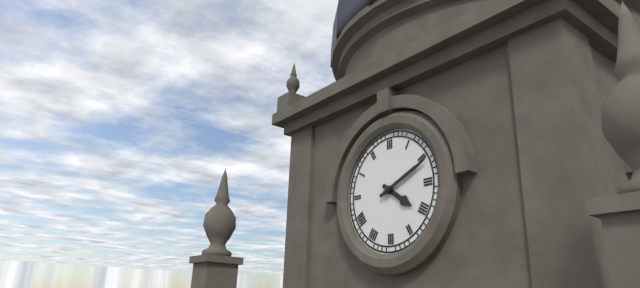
4:11
